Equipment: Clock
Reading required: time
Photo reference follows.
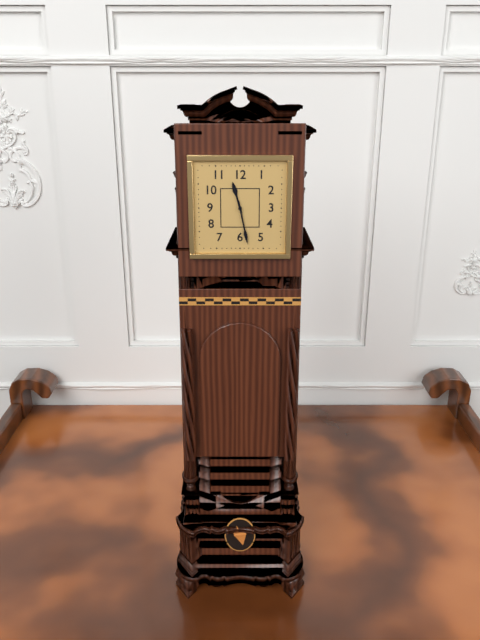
11:28
